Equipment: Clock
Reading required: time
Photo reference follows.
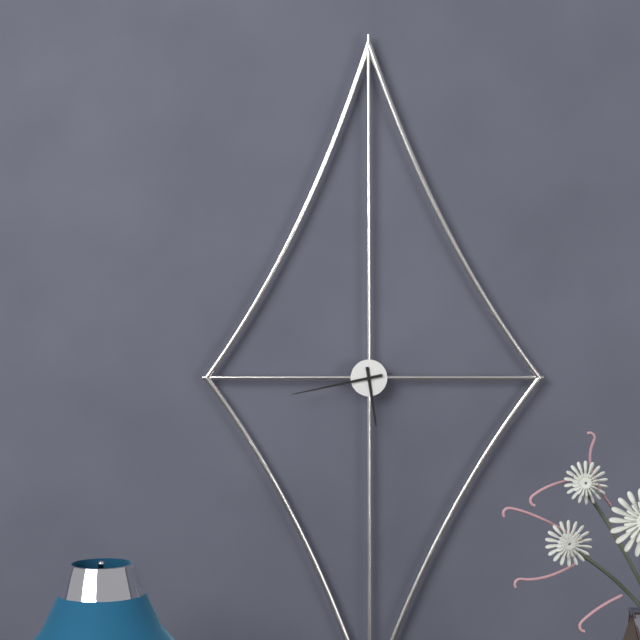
5:43
